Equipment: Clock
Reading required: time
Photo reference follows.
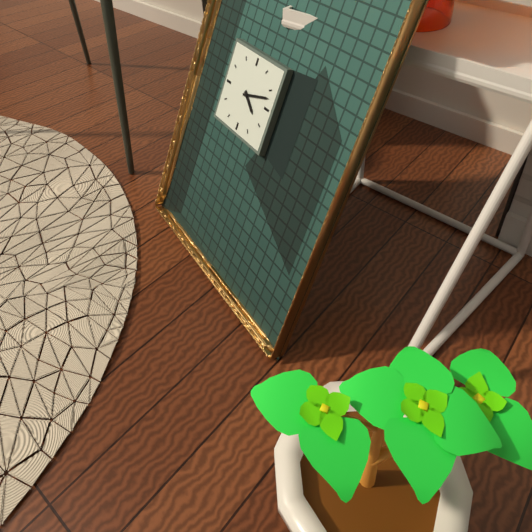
4:12
